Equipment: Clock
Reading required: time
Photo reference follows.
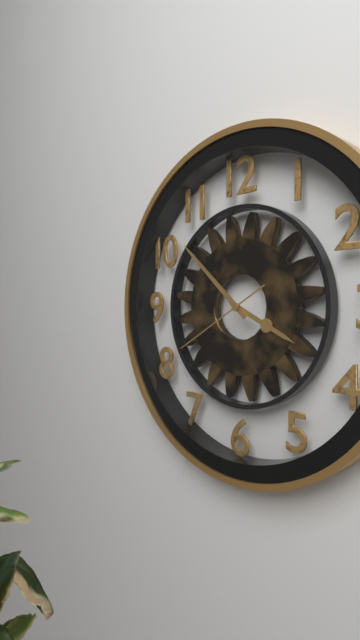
3:52:40
